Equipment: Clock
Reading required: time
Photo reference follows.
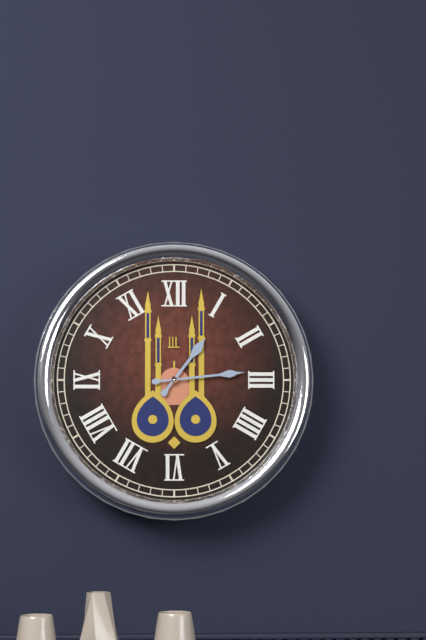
1:14
